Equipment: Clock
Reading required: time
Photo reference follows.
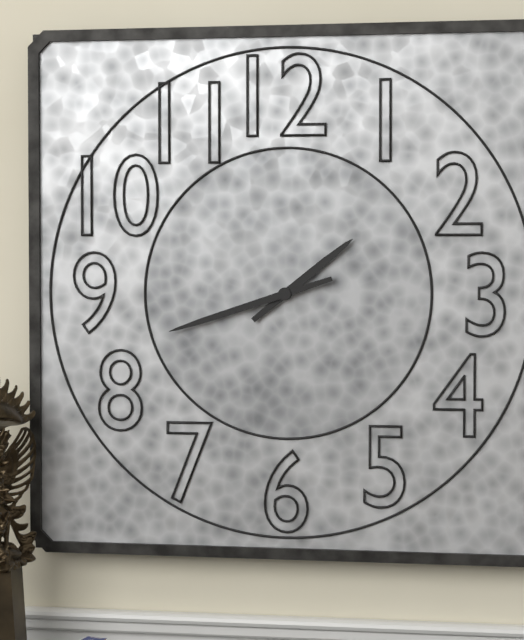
1:42
